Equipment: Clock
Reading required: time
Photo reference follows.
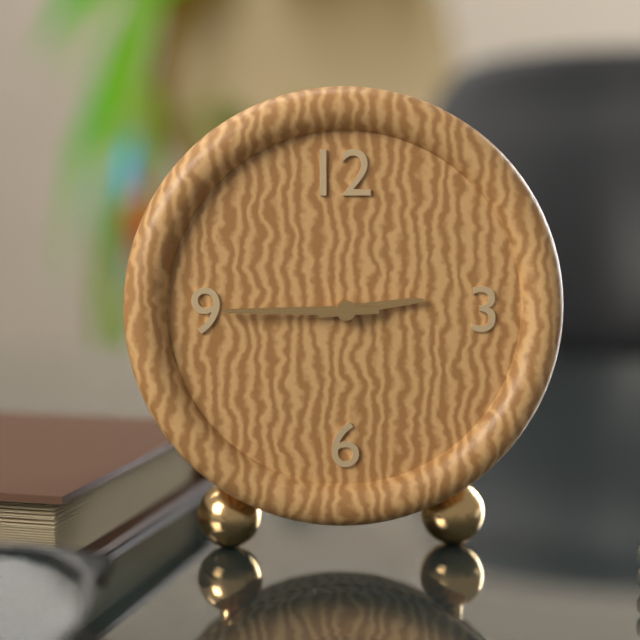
2:45
